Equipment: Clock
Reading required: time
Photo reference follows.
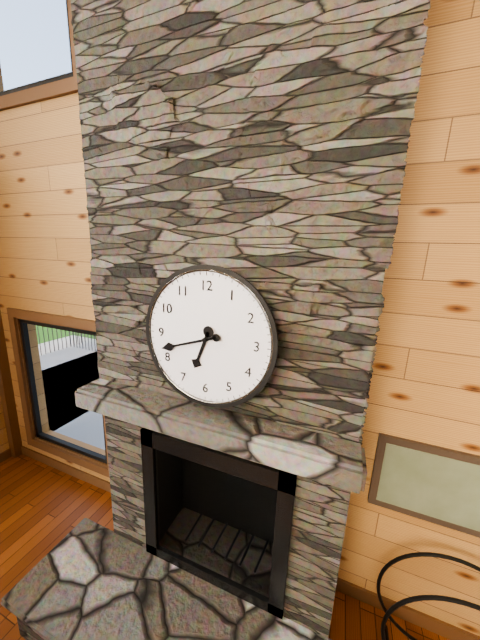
6:42
